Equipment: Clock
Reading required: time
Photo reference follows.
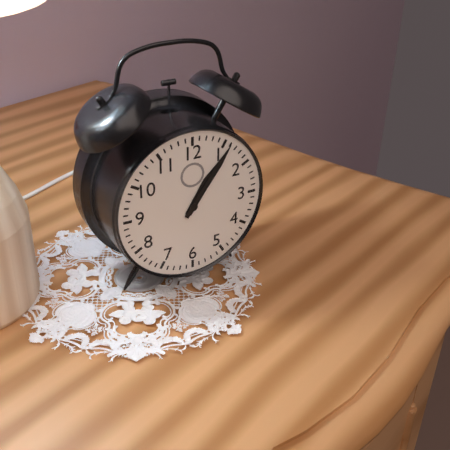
1:06
